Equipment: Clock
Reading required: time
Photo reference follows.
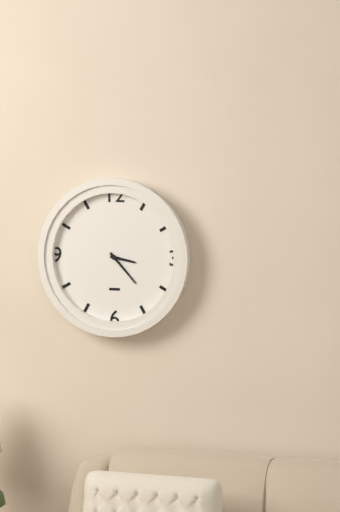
3:23
